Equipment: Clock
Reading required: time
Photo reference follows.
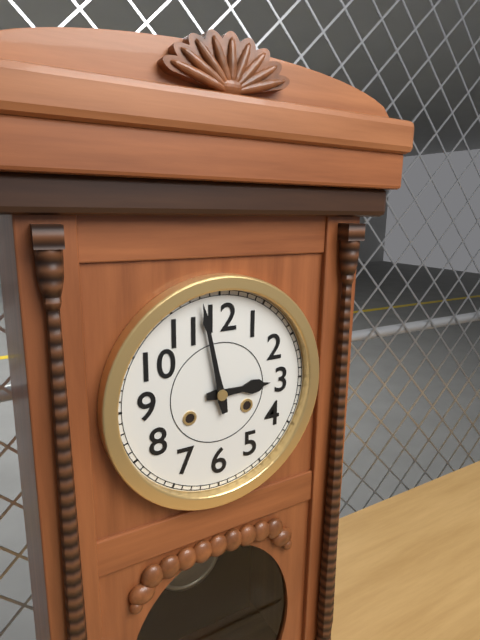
2:58
